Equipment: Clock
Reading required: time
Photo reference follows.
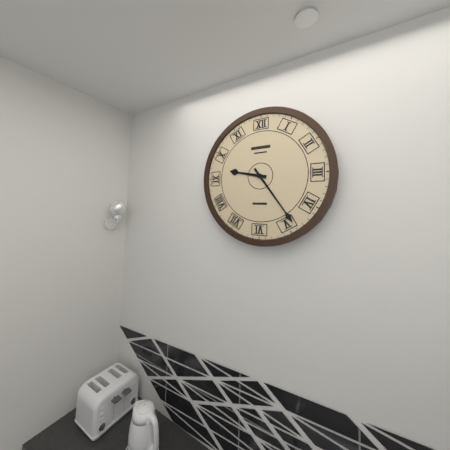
9:24
